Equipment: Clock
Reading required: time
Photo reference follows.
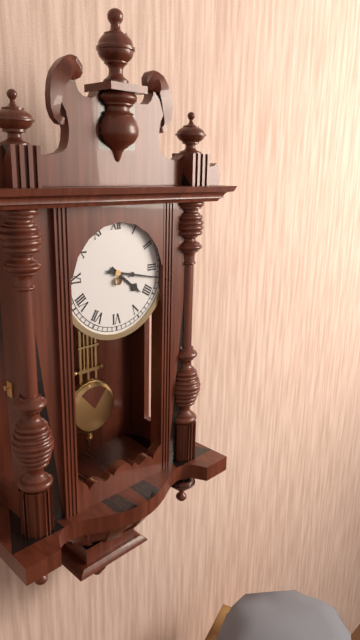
4:17
